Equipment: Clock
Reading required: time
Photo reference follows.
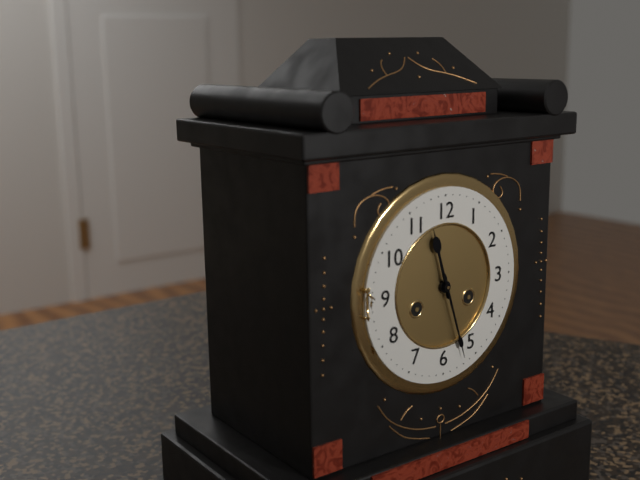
11:27
